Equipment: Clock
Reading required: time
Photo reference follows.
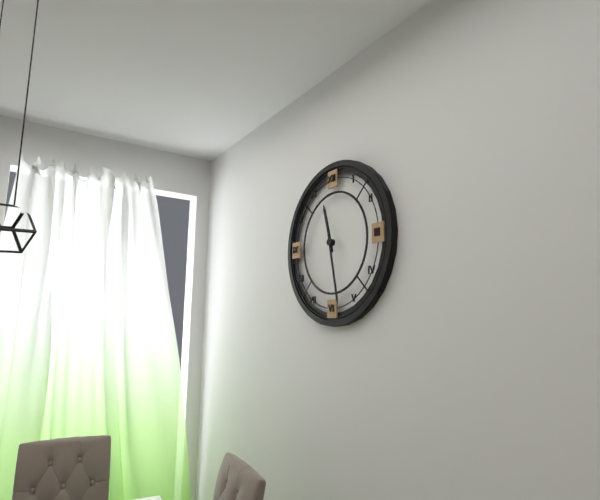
11:28
